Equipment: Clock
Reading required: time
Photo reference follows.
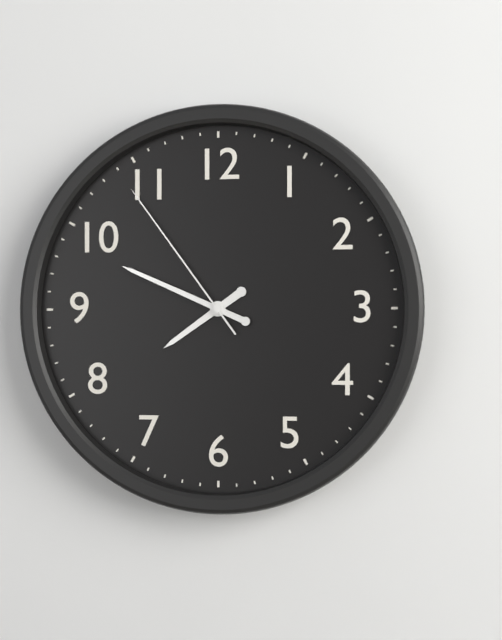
7:49:54
